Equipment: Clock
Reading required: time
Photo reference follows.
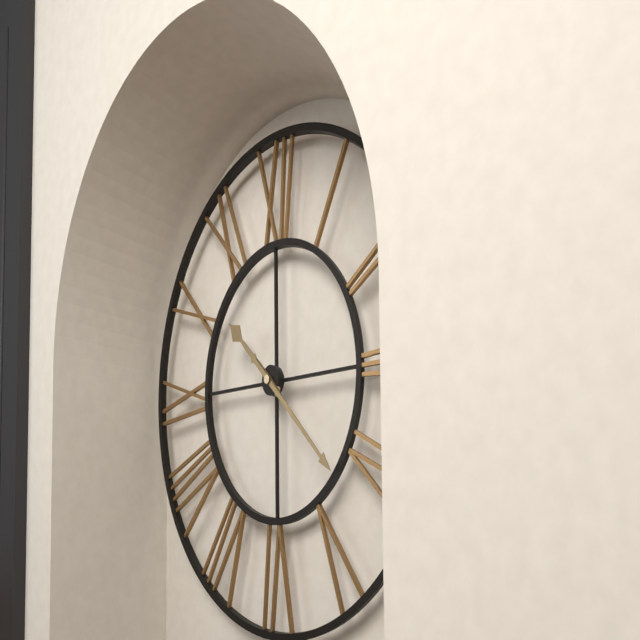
10:22
